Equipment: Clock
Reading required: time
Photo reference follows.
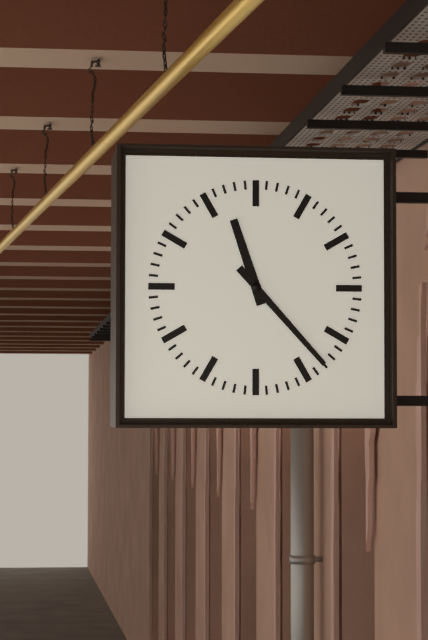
11:23
